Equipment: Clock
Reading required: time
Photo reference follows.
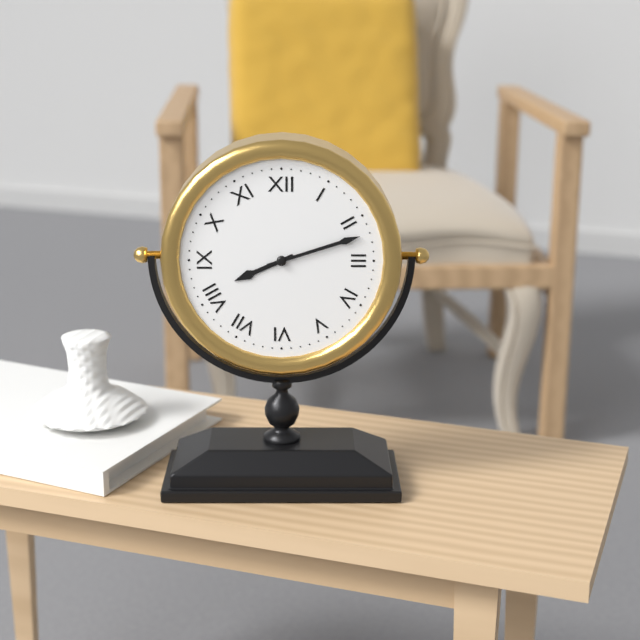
8:12
